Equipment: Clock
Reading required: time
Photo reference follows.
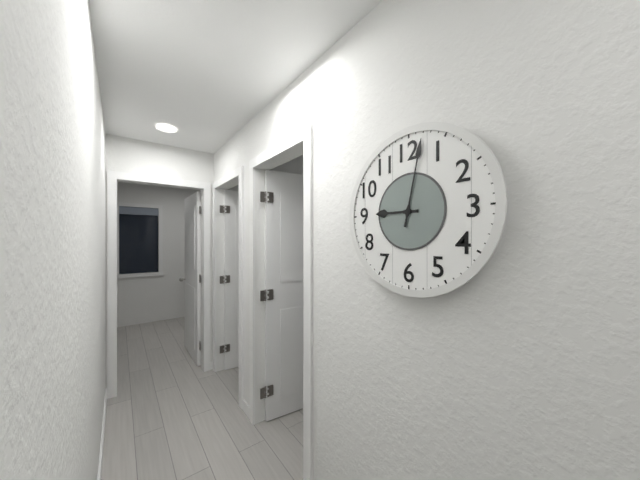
9:02
